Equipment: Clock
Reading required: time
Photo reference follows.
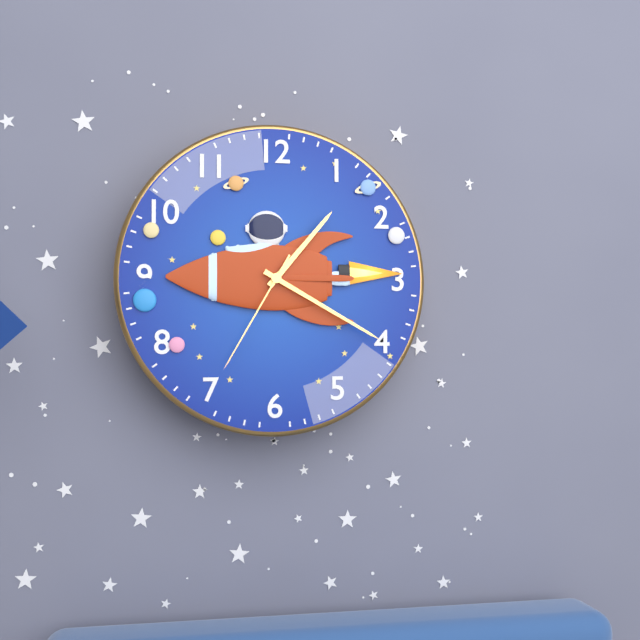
1:20:35
